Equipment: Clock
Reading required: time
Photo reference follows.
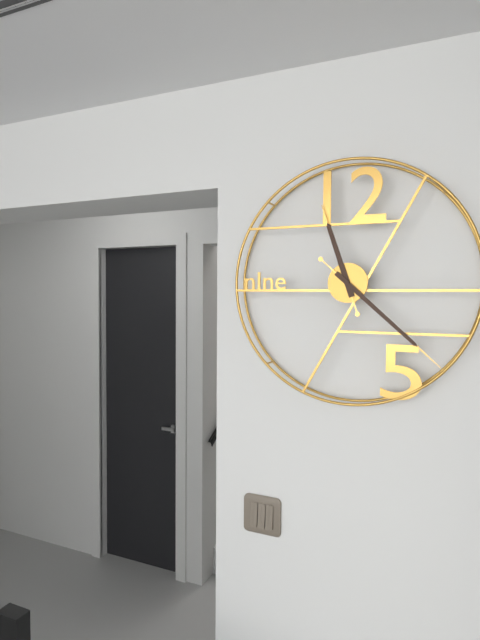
11:22
